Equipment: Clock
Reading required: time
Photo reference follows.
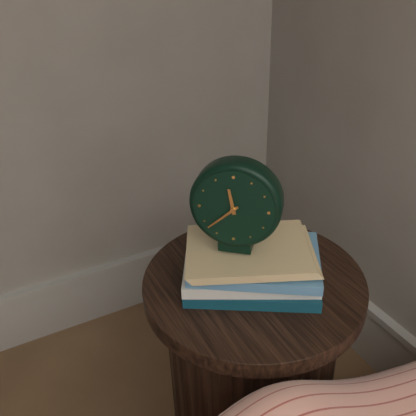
11:38
